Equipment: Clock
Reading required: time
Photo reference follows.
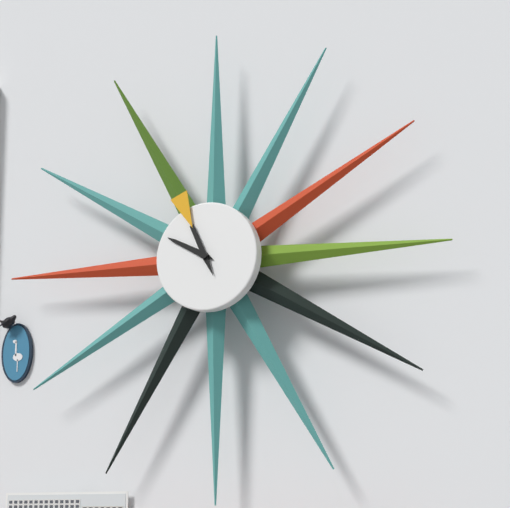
9:56
